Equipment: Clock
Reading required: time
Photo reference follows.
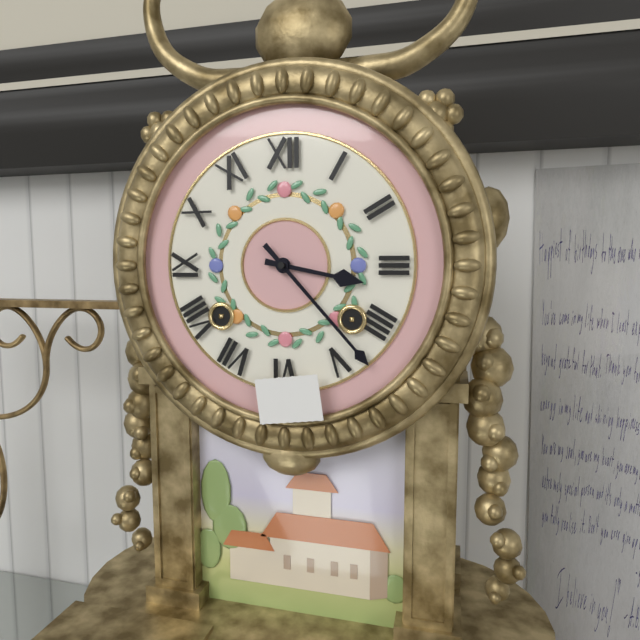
3:23
